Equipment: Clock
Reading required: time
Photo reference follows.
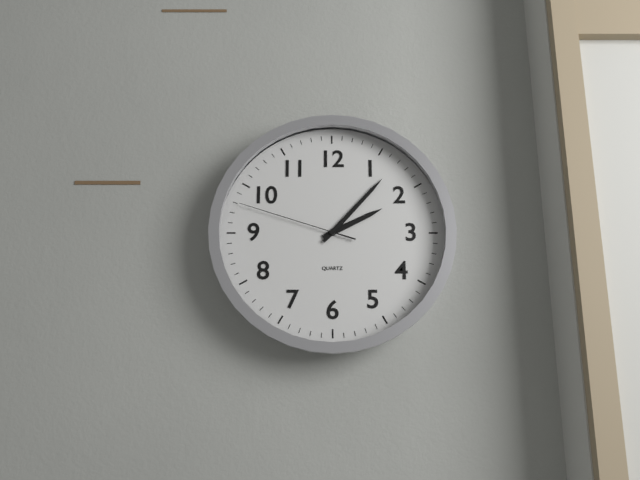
2:07:48
